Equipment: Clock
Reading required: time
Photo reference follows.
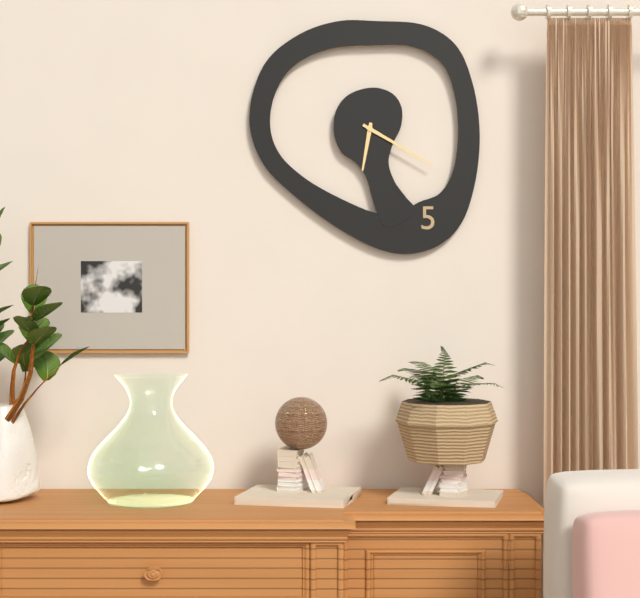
6:20
